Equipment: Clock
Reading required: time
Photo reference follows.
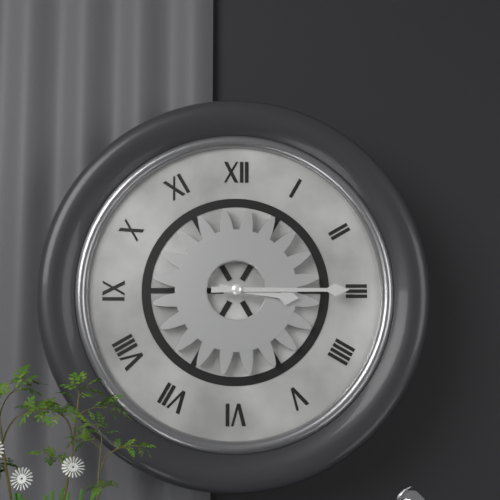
3:15
